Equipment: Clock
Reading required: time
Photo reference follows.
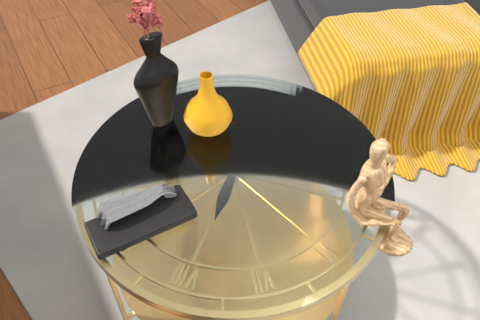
7:55
